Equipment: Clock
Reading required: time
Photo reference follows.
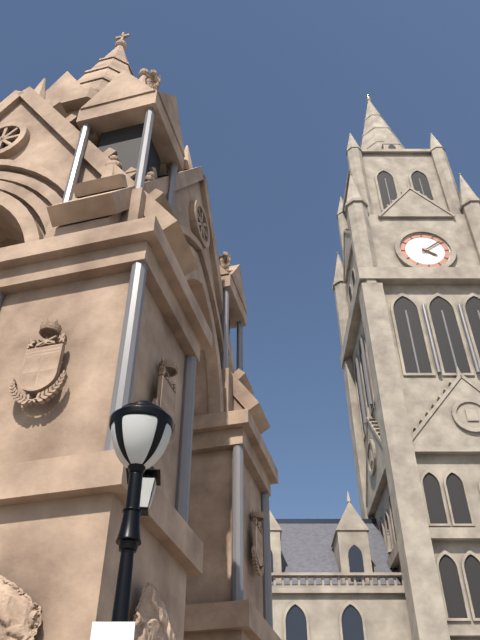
4:09
